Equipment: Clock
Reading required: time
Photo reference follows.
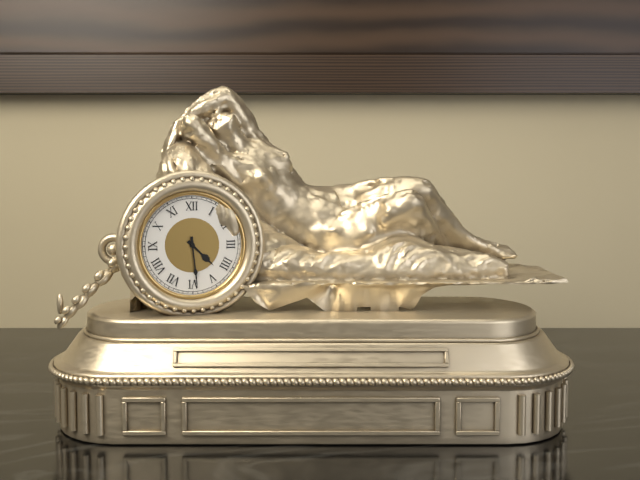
4:29
